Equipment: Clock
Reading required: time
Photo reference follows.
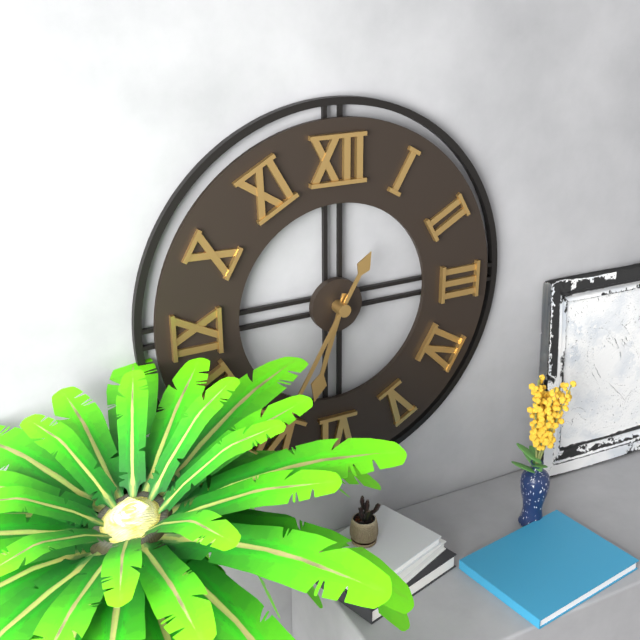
6:35
